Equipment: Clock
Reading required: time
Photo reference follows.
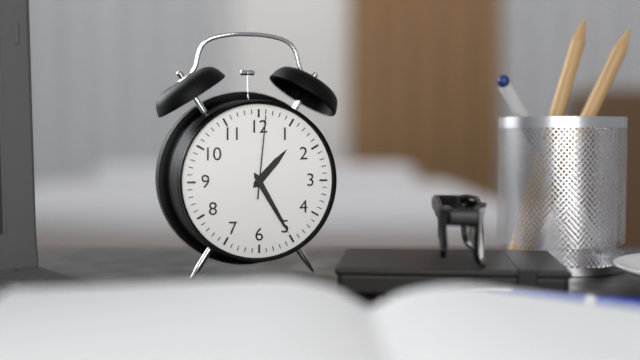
1:25:01
